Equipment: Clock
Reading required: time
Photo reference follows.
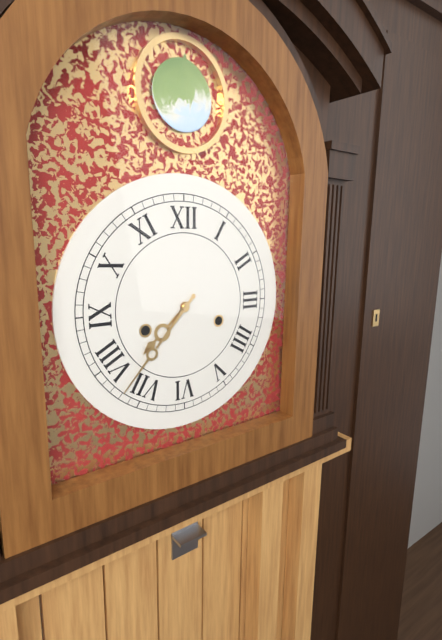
7:37
